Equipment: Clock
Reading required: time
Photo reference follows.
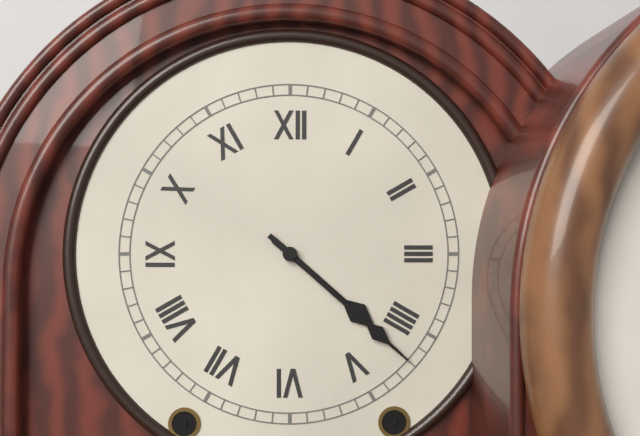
4:22
